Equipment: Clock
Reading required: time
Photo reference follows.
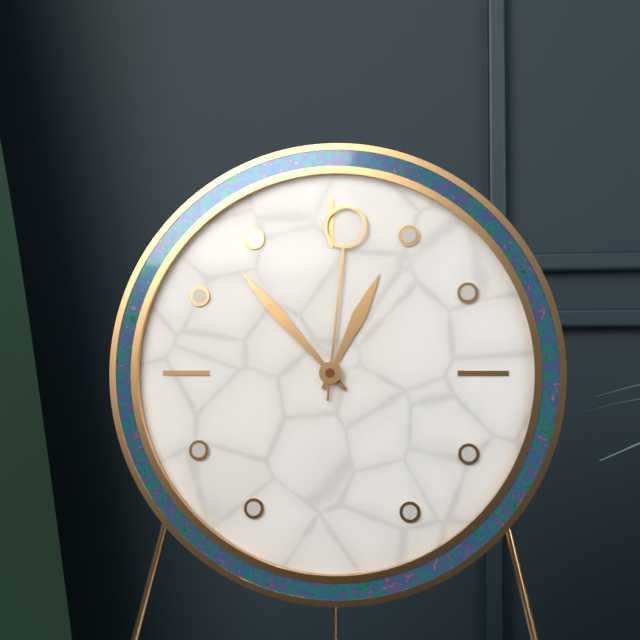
12:53:01
